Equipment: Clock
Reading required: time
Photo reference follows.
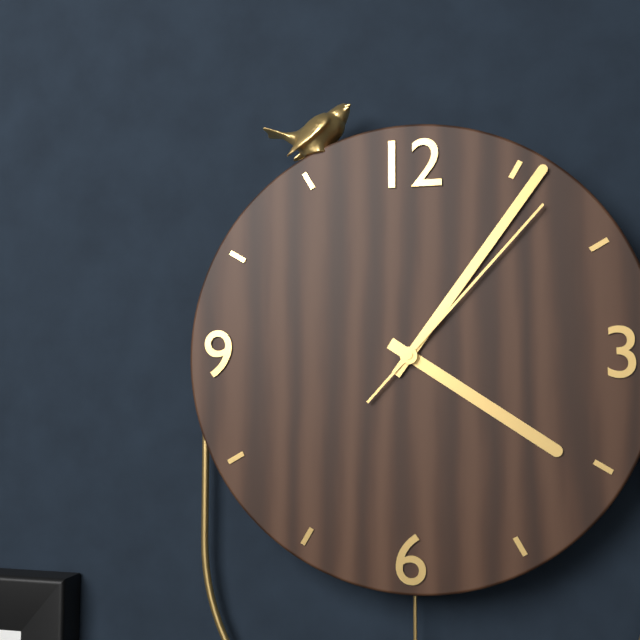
4:06:07
